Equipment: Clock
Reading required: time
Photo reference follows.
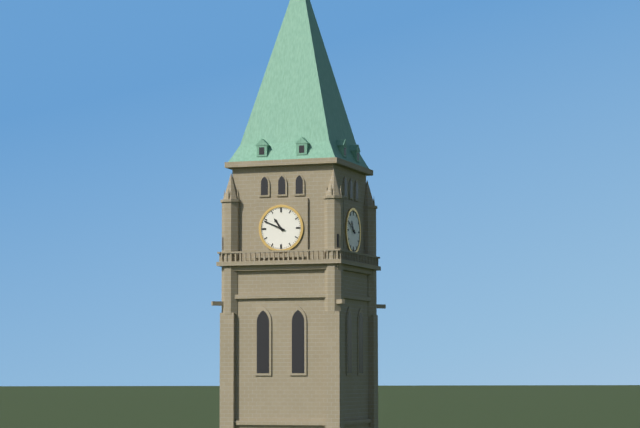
10:49
